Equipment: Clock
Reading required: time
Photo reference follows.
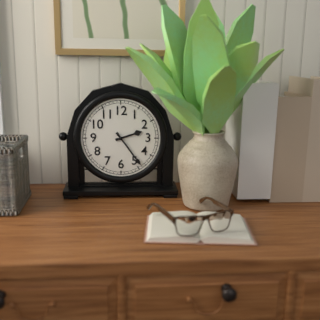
2:24
